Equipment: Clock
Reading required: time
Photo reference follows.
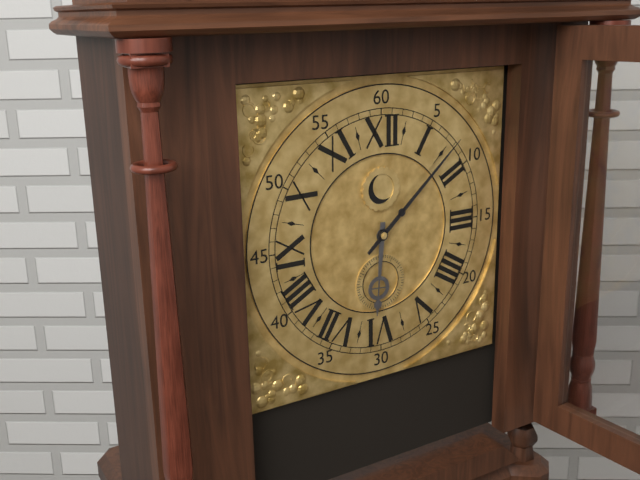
6:08
